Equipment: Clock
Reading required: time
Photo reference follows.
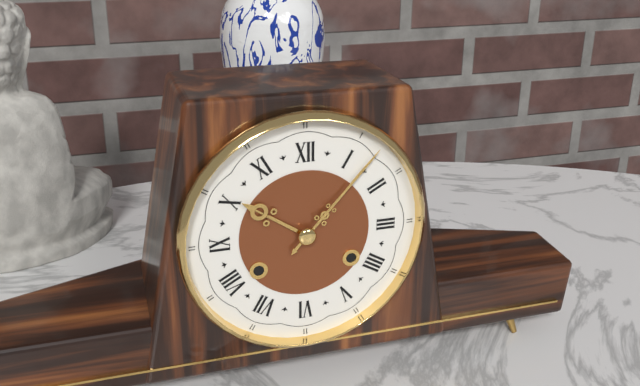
10:07
